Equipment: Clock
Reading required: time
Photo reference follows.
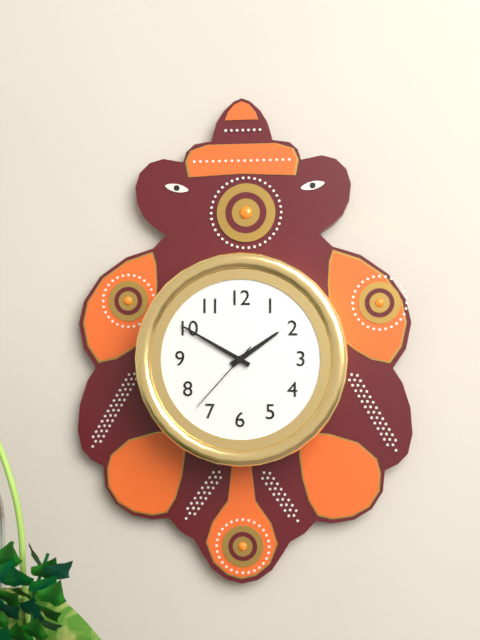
1:50:37
